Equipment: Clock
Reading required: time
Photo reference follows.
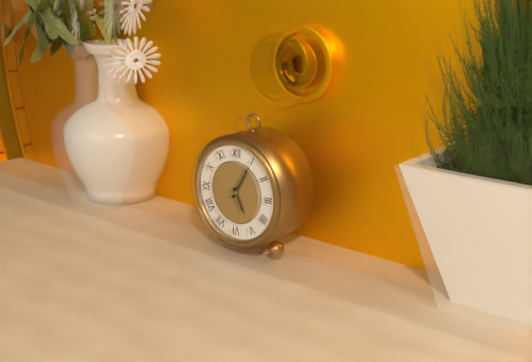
5:05
